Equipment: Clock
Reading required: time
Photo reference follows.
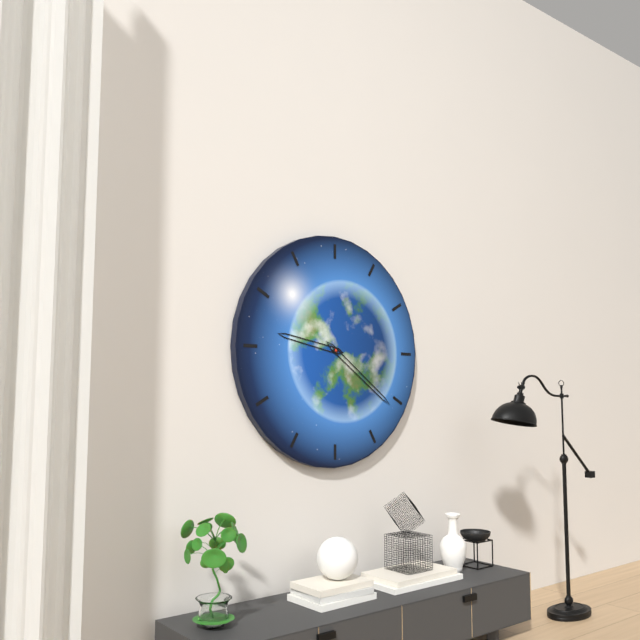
9:21
